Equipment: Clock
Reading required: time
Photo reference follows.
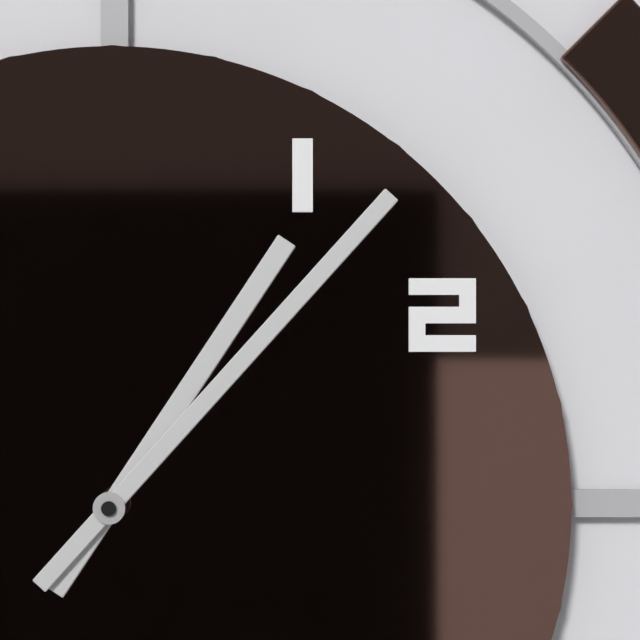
1:07
